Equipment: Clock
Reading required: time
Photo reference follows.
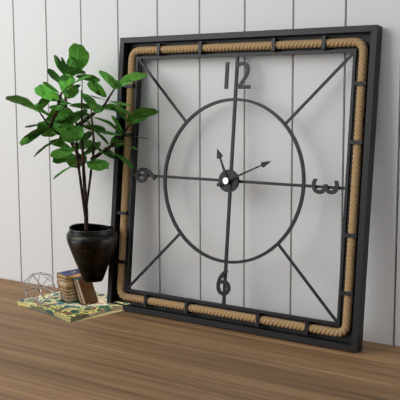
11:11
